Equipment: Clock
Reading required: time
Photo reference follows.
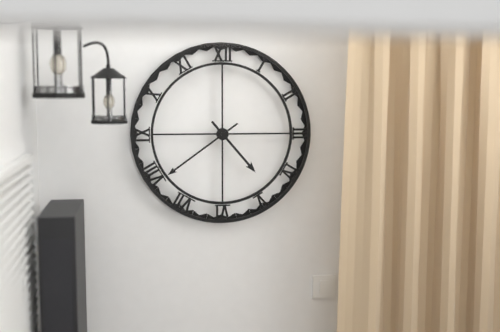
4:39
